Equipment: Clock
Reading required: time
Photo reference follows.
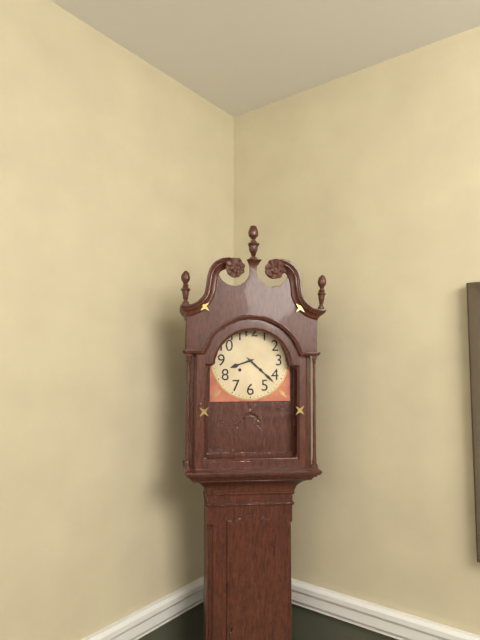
8:22
